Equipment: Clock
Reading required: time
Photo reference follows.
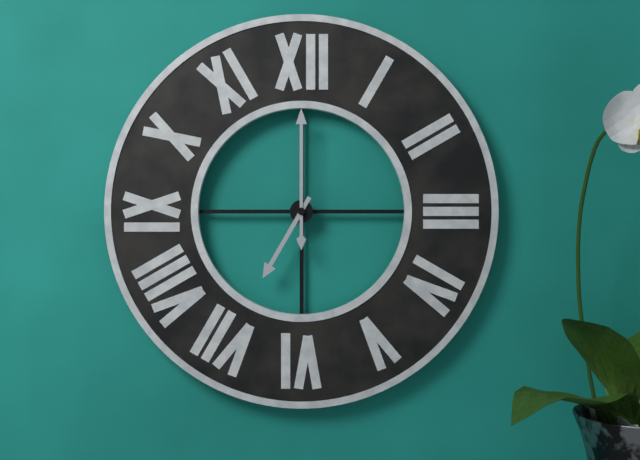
7:00
